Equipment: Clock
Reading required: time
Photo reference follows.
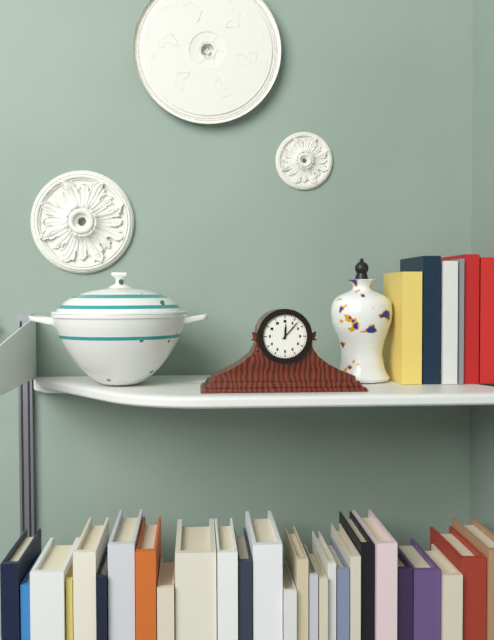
12:07
